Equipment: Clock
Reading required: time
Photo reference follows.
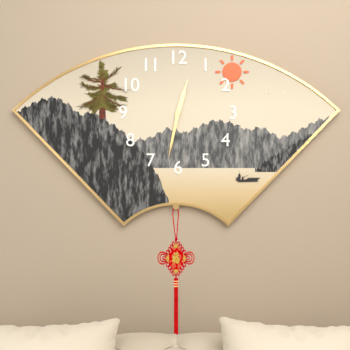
12:32
